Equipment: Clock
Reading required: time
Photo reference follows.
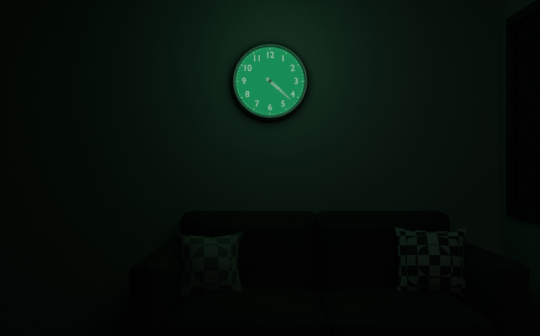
4:22
